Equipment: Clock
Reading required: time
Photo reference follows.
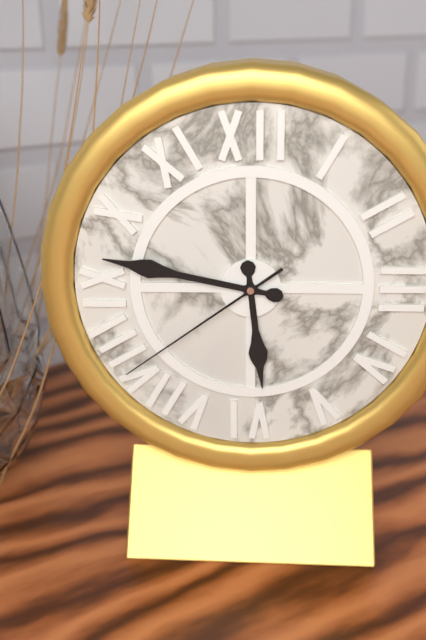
5:47:39
